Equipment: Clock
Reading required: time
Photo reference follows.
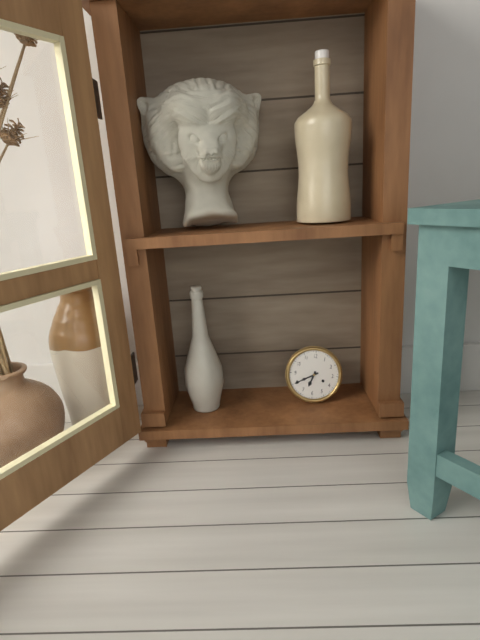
6:40
